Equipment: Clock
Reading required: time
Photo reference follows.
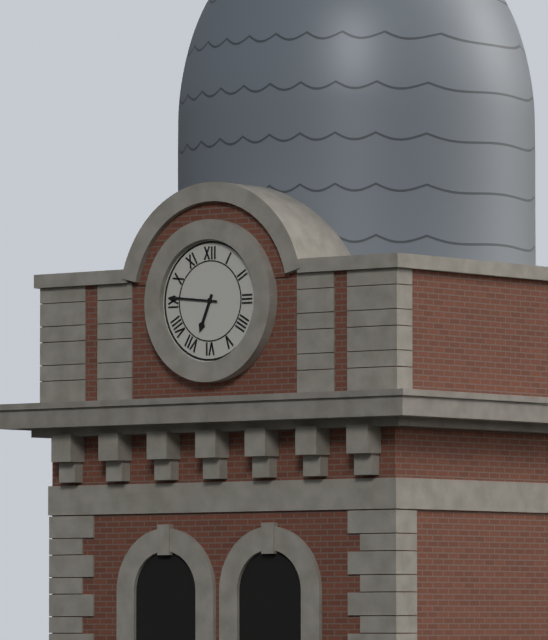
6:46
